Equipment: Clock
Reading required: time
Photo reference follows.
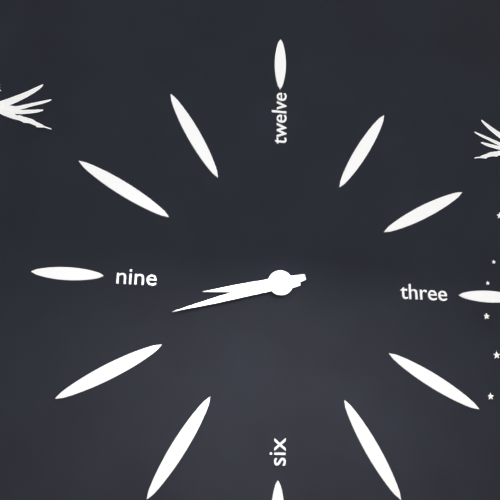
8:42
